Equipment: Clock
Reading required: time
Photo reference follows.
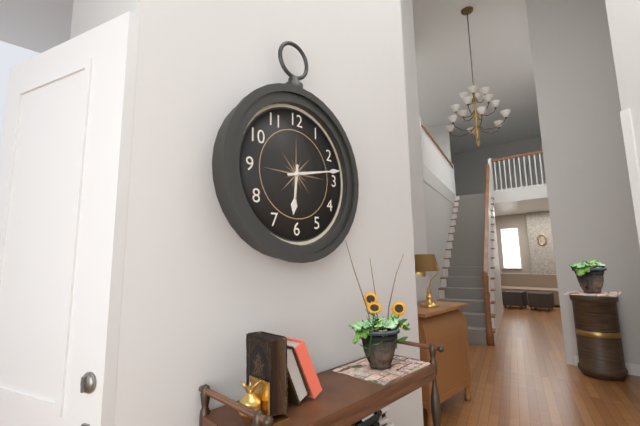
6:13
